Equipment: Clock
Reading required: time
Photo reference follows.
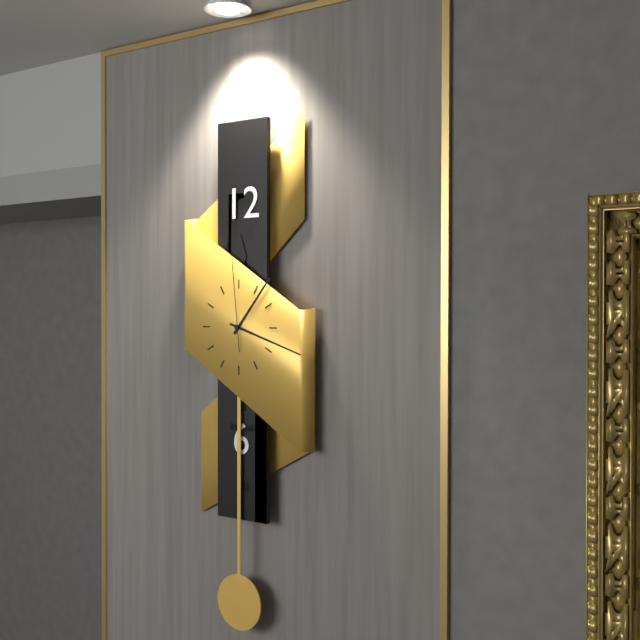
1:18:59
